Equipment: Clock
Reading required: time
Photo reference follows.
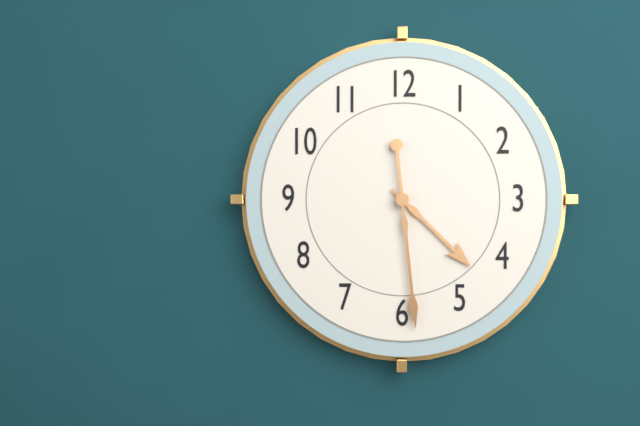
4:29
